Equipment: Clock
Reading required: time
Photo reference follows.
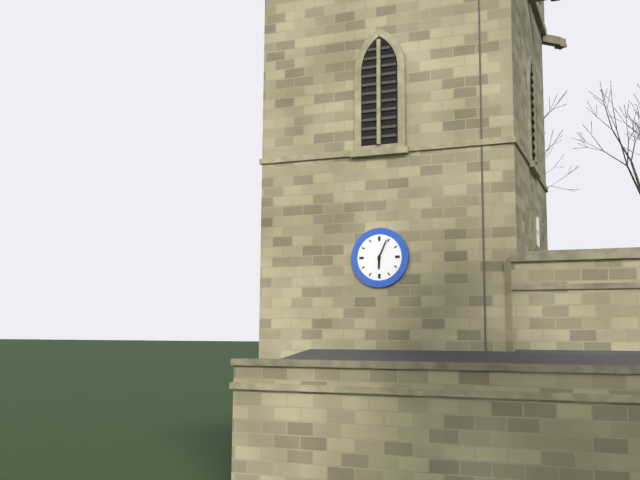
6:04
